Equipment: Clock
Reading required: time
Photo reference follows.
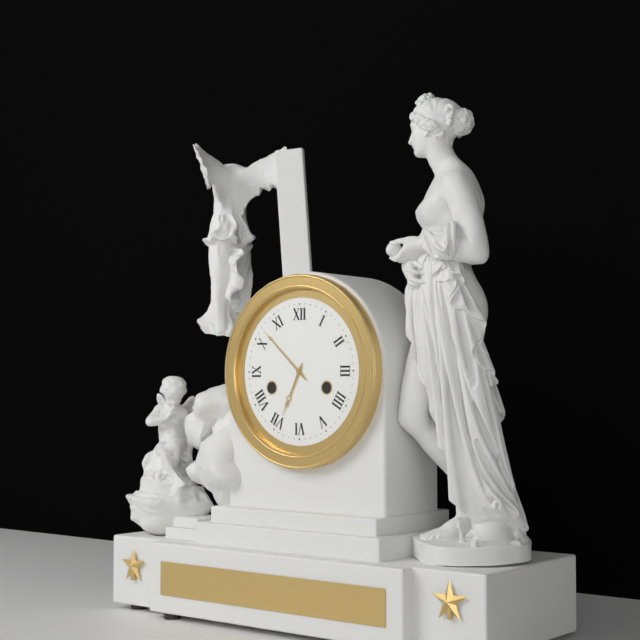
6:52
